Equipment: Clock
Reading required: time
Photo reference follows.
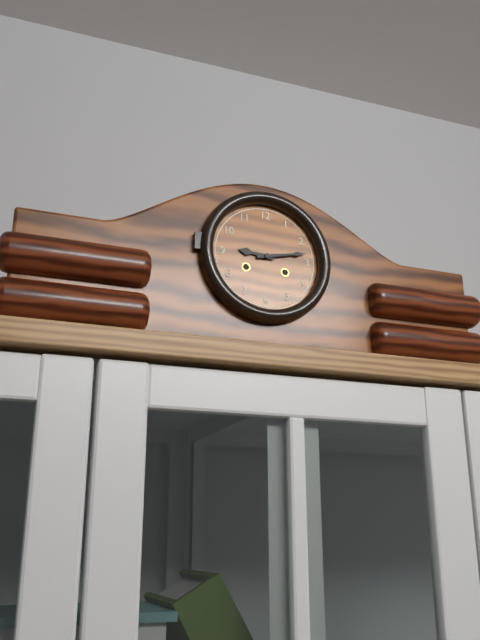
9:13
